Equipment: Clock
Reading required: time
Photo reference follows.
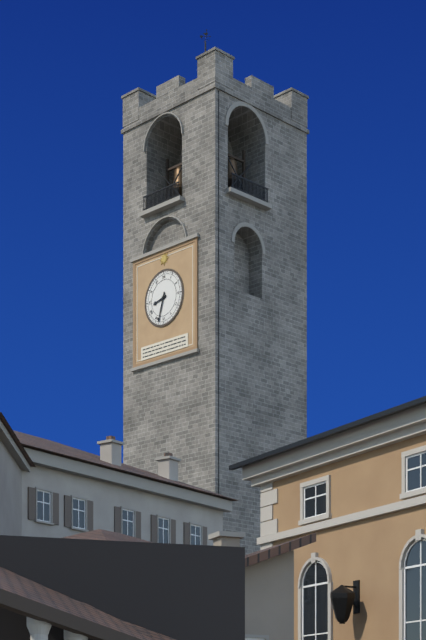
8:33
